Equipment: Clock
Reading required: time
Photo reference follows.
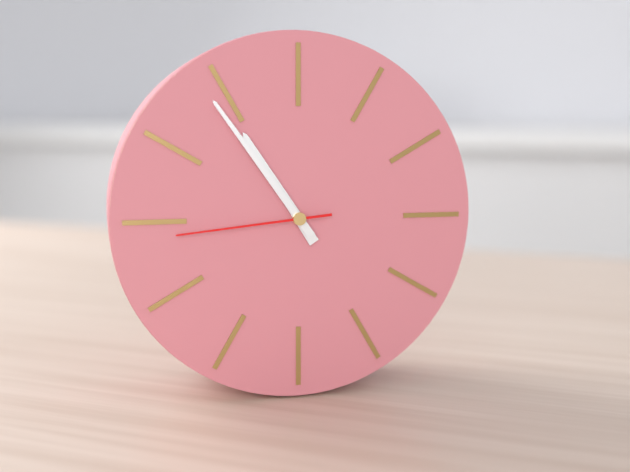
10:54:44
